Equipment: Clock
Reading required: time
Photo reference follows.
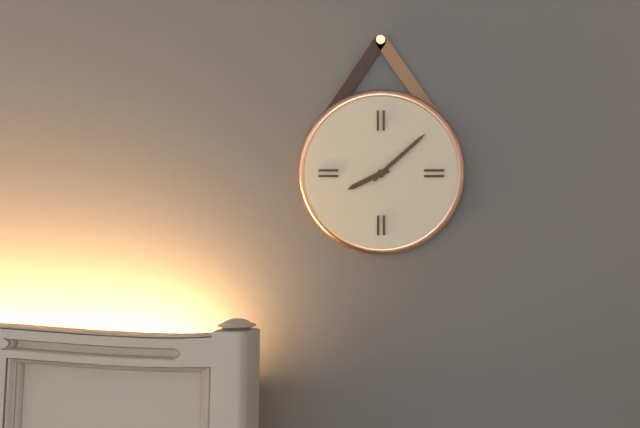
8:08
